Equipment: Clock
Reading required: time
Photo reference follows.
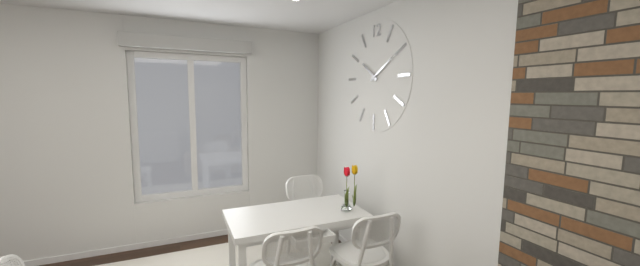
10:10
